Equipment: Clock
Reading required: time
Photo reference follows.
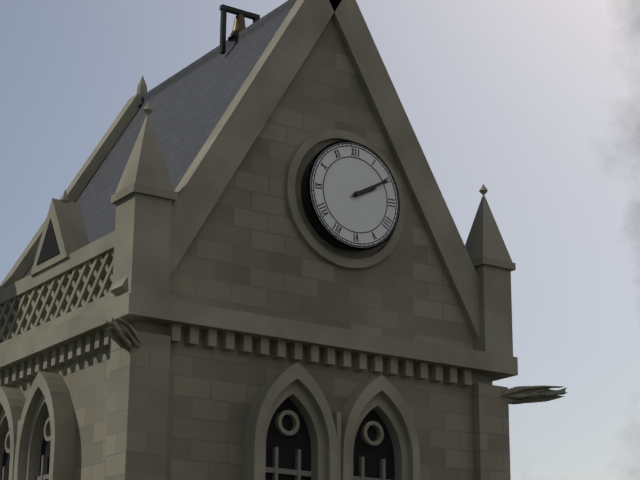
2:10
